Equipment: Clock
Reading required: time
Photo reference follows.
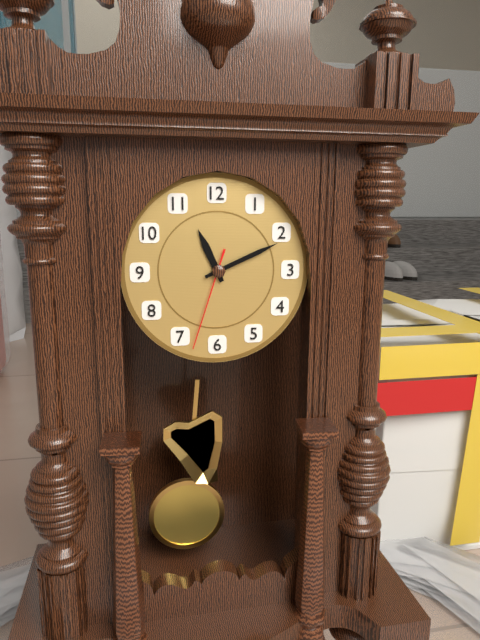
11:11:33
